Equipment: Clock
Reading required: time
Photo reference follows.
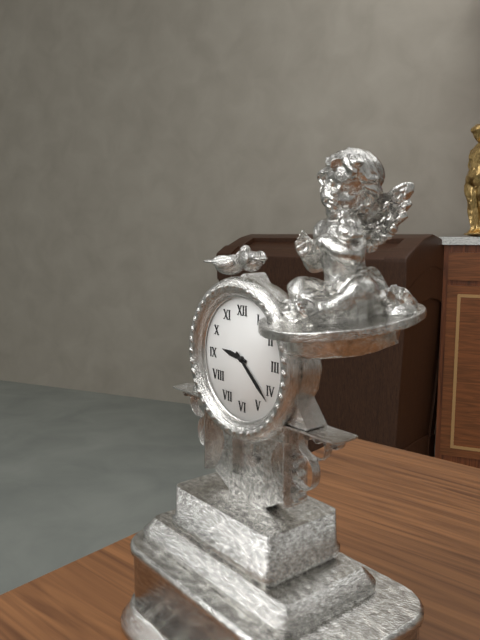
9:22
